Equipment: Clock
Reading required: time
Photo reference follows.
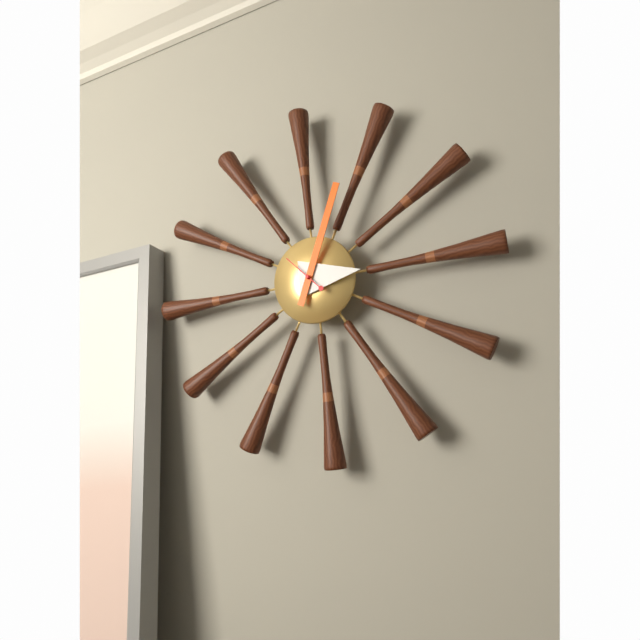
3:04:53
